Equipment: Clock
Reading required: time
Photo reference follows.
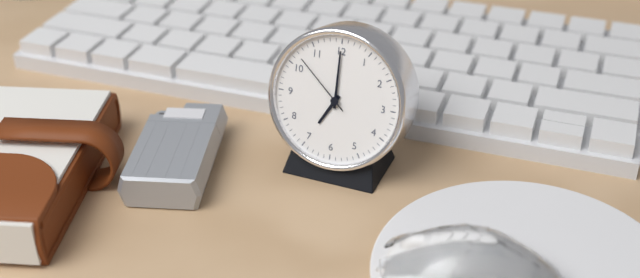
7:00:52
